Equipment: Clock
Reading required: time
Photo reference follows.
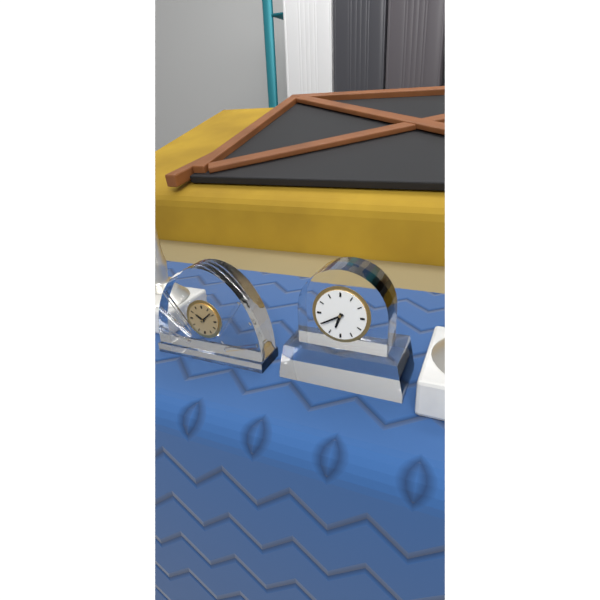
6:40
